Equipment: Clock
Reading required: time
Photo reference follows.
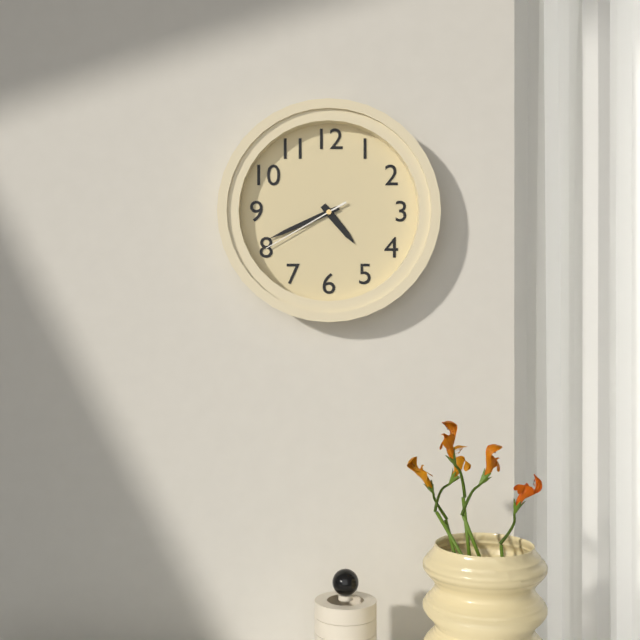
4:41:40
